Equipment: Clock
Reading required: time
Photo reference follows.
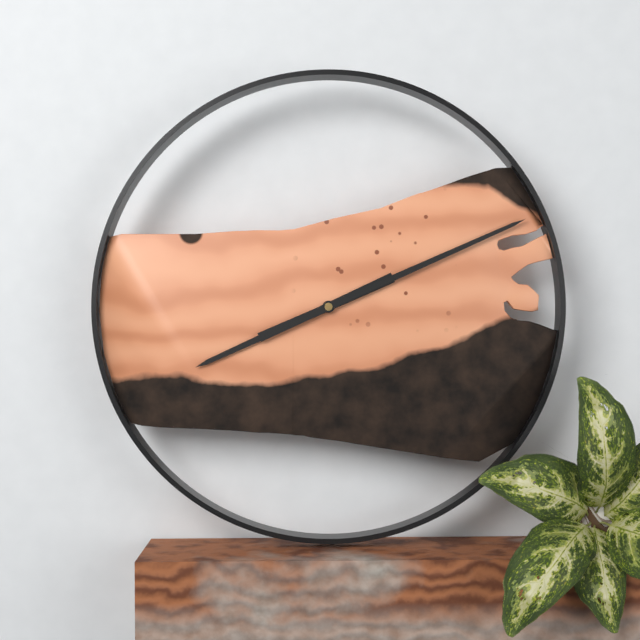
8:11
